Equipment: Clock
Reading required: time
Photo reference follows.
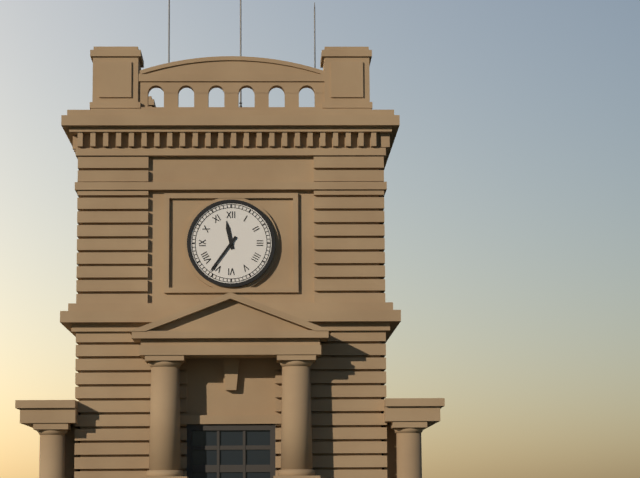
11:36
